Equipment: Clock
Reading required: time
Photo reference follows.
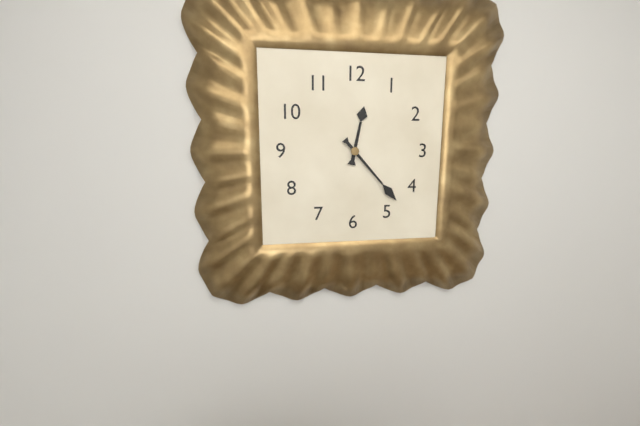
12:23
